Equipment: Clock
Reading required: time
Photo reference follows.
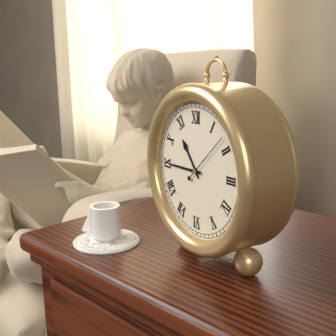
10:45
